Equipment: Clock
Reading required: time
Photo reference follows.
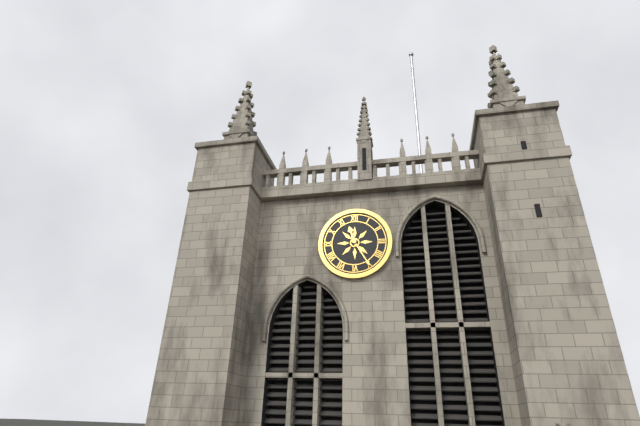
11:25
